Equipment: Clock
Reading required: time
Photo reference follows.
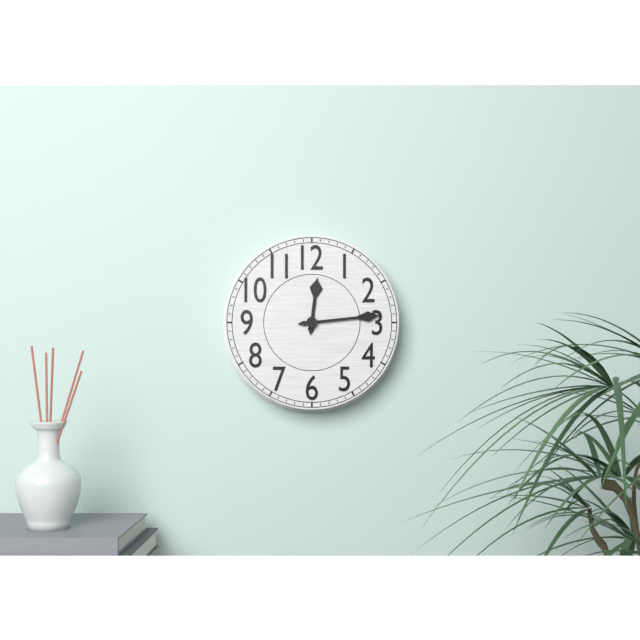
12:14
